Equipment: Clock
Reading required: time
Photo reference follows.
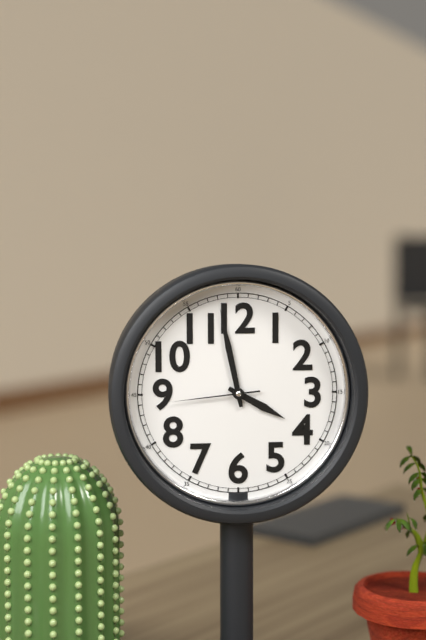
3:58:44
